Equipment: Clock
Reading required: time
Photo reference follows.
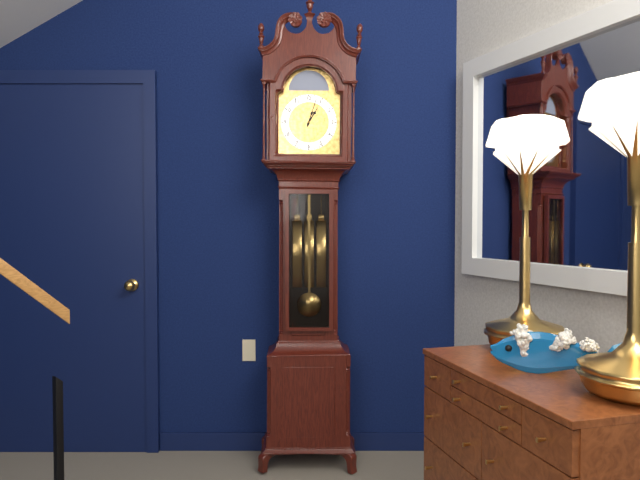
1:03
